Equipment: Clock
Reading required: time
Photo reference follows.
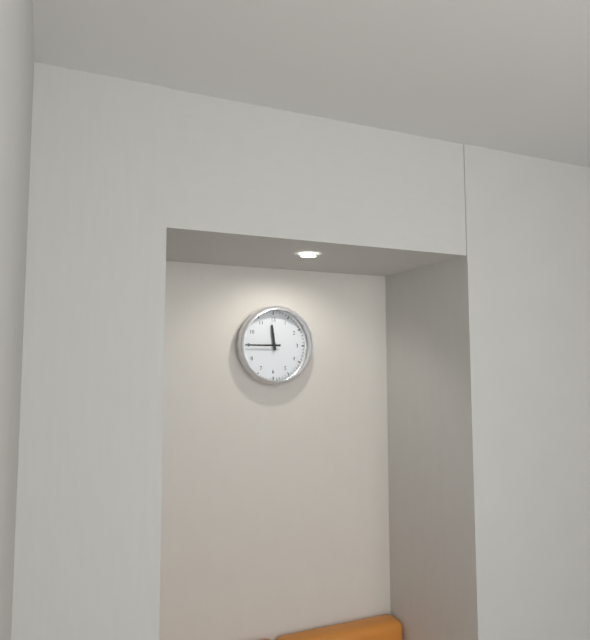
11:45
